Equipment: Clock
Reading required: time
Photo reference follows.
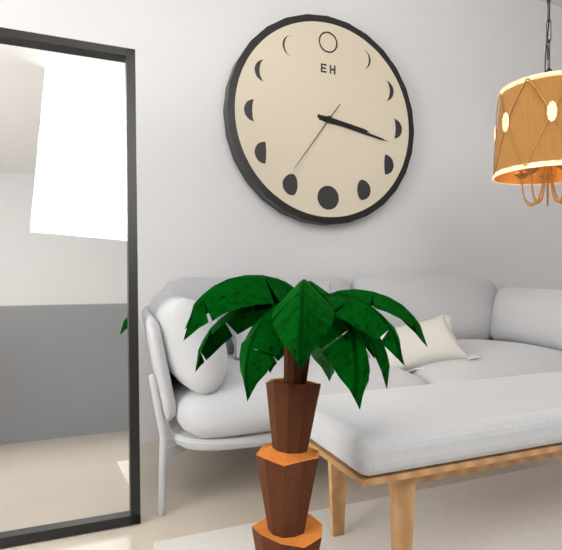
3:17:36
